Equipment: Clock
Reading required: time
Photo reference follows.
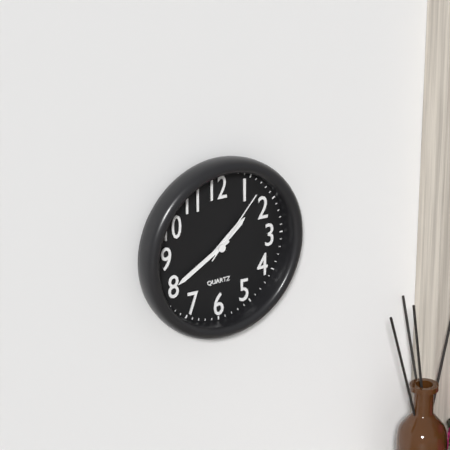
1:40:07
